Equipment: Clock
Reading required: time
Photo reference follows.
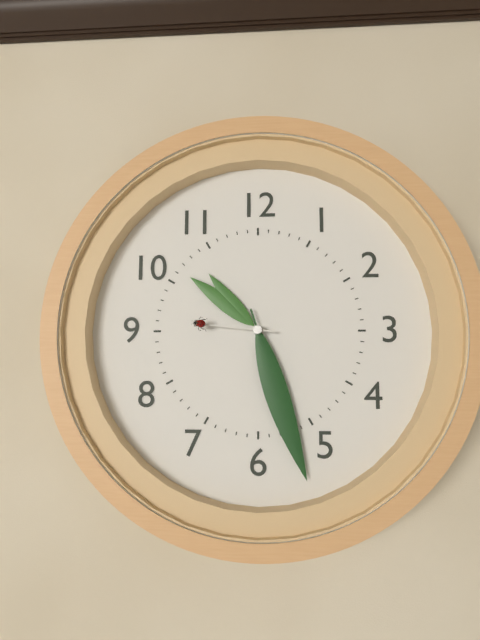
10:27:46
